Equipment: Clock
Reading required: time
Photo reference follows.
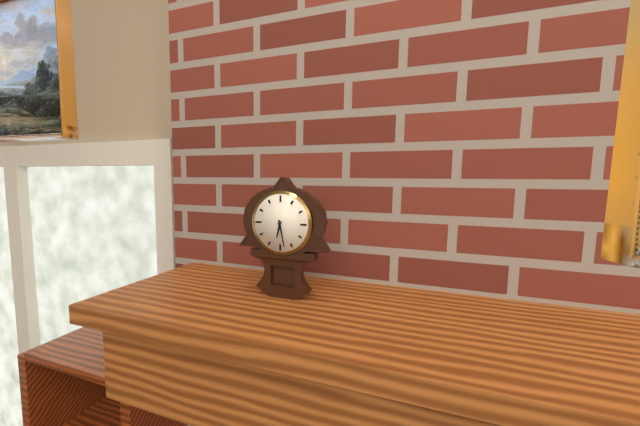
6:28
